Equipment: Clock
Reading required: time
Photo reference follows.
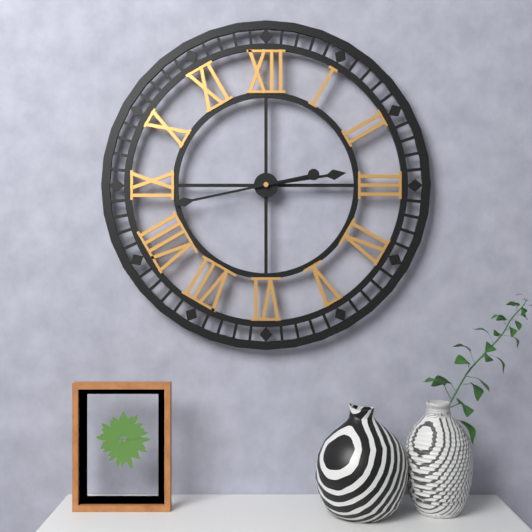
2:43
